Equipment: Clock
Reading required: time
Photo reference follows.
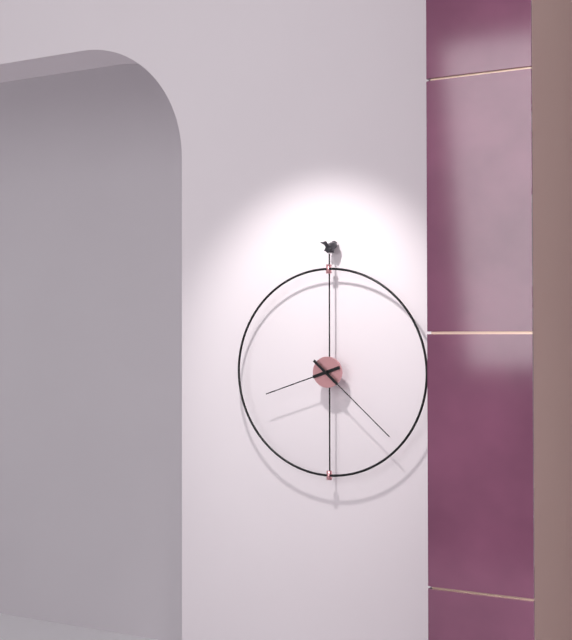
8:22
